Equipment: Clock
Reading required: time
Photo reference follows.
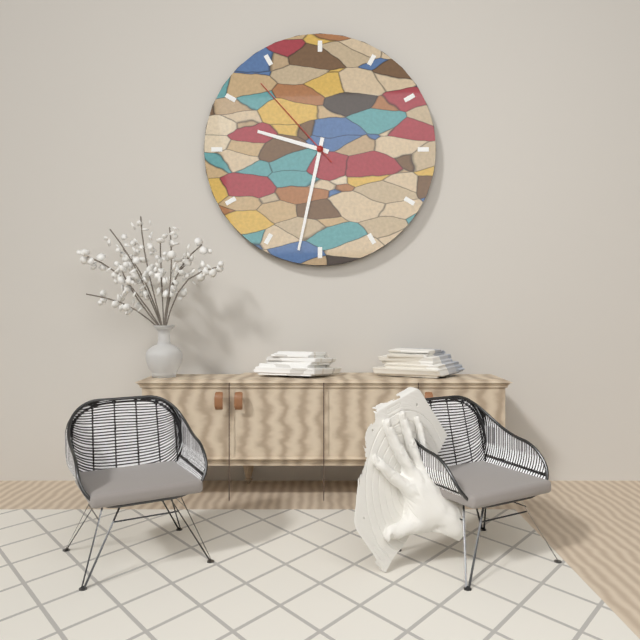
9:32:53
